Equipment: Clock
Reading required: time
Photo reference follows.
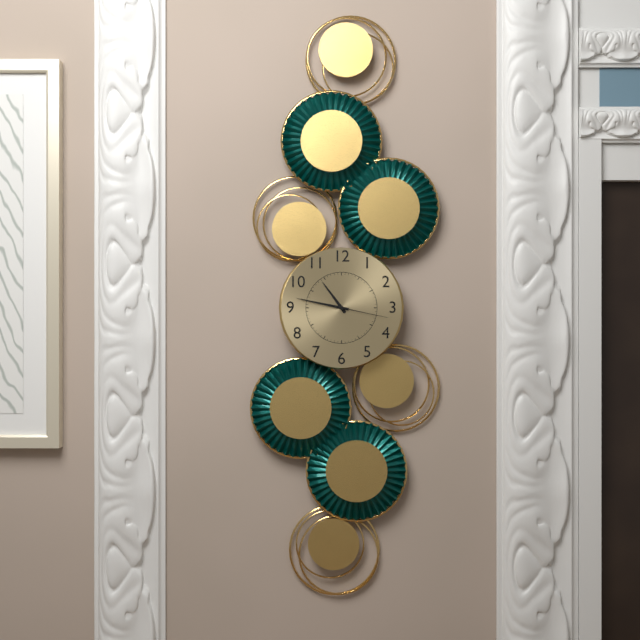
10:47:17
